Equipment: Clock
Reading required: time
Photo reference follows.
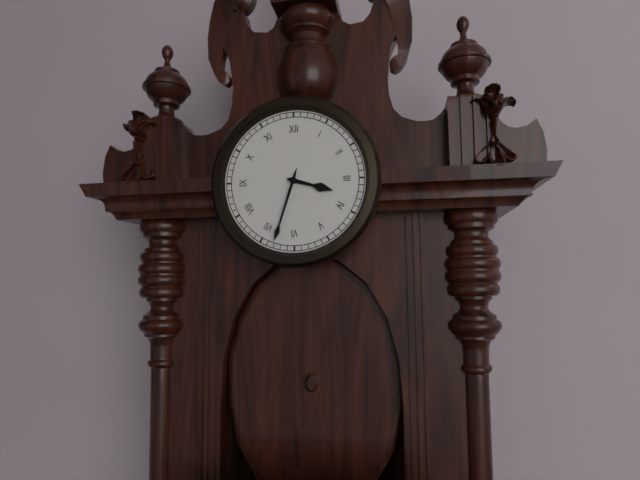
3:33
